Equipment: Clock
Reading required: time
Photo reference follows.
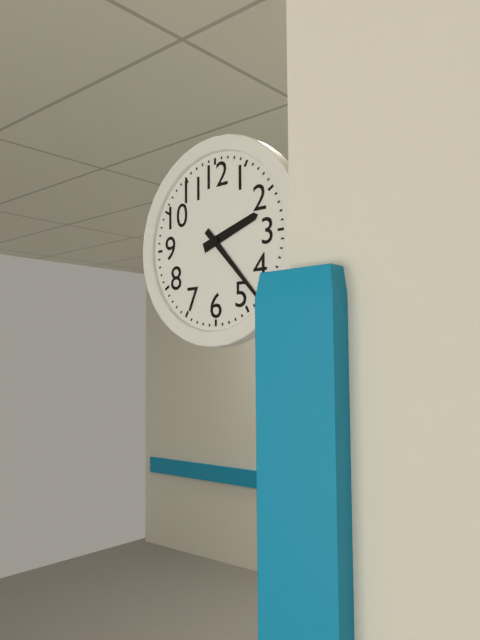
2:23
